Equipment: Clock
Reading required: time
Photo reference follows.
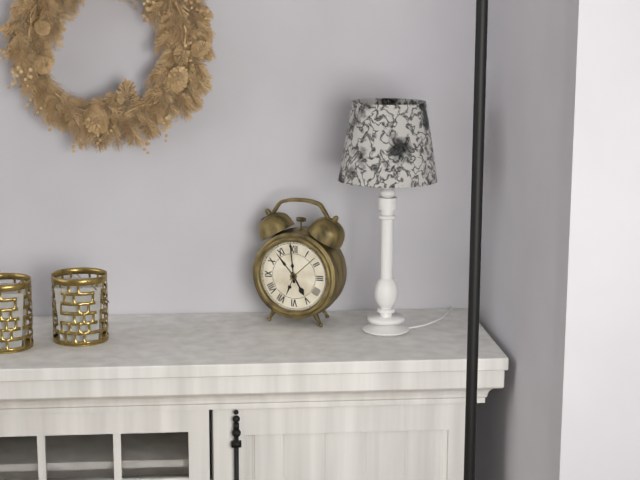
4:59
